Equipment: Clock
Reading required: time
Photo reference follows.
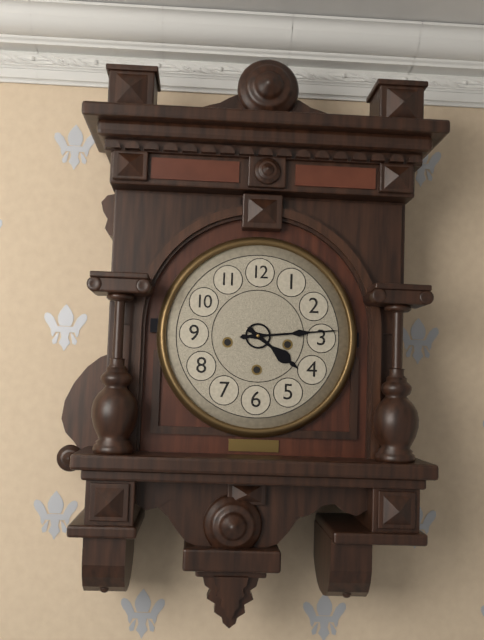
4:14
